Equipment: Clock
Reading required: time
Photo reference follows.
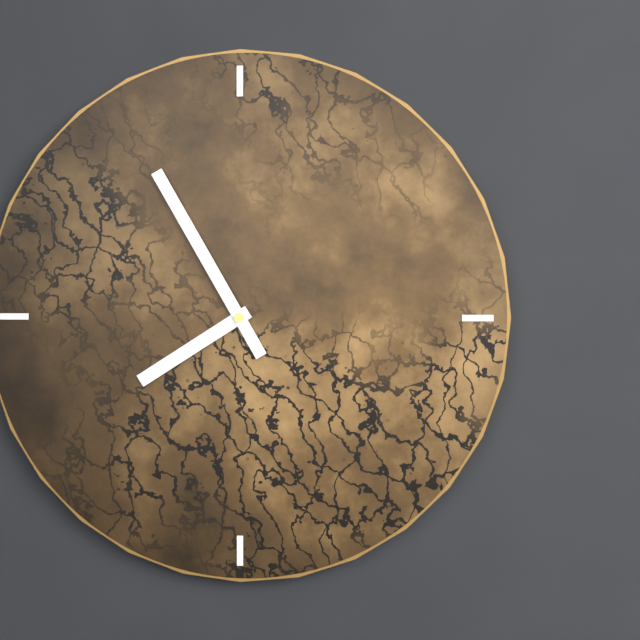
7:55
